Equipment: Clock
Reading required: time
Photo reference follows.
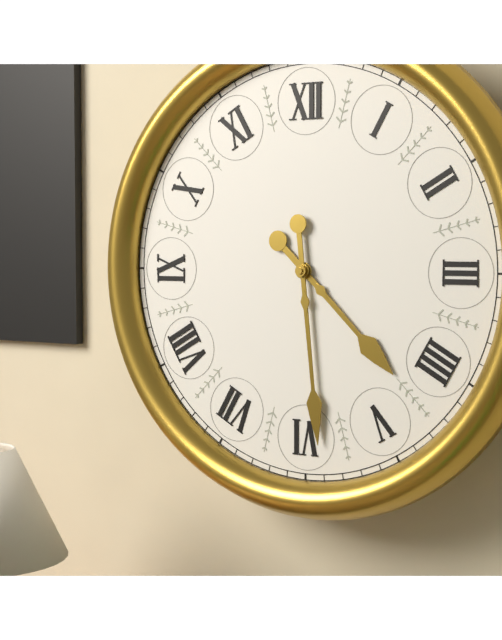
4:29
